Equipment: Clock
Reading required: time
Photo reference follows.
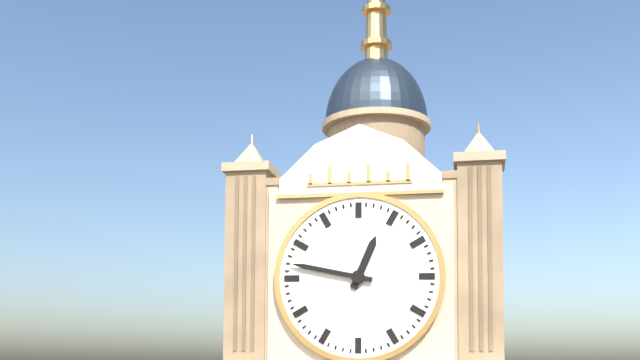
12:47
